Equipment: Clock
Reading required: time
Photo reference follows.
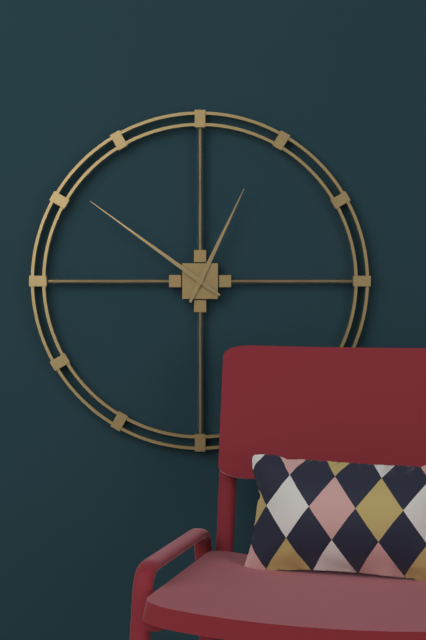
12:51
